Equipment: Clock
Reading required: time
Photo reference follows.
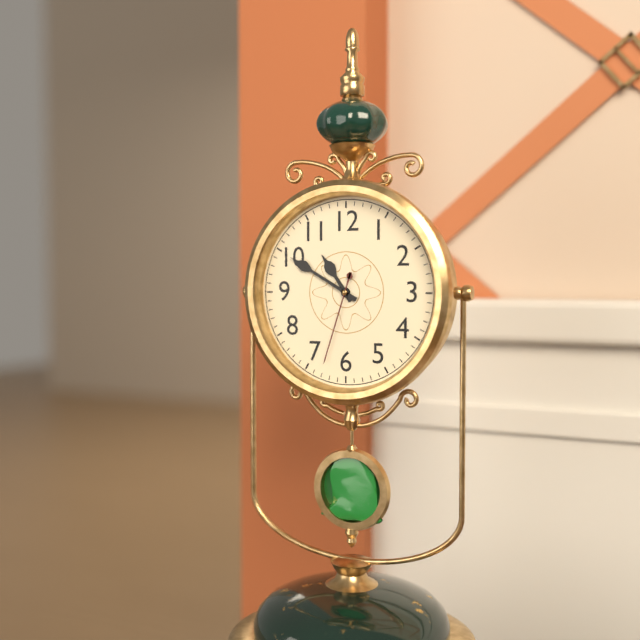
10:50:33
